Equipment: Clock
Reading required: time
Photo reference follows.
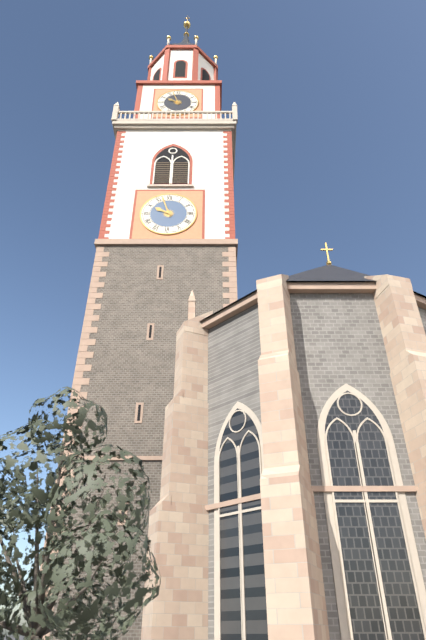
9:57
